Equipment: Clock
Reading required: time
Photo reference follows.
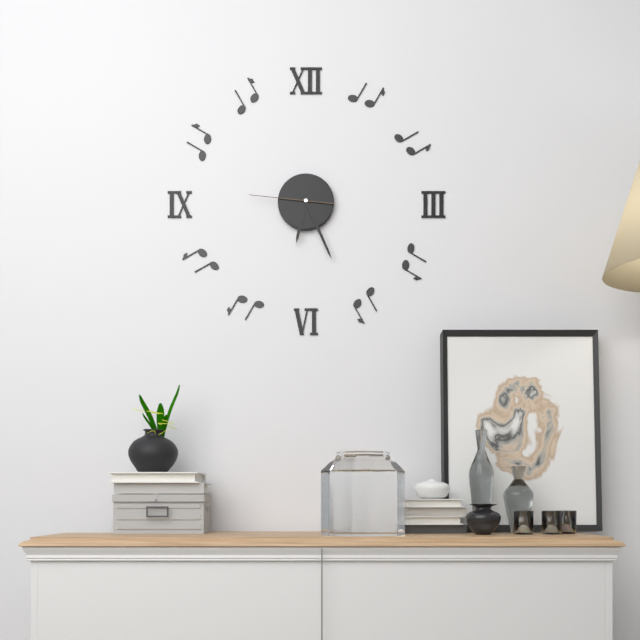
6:26:46
